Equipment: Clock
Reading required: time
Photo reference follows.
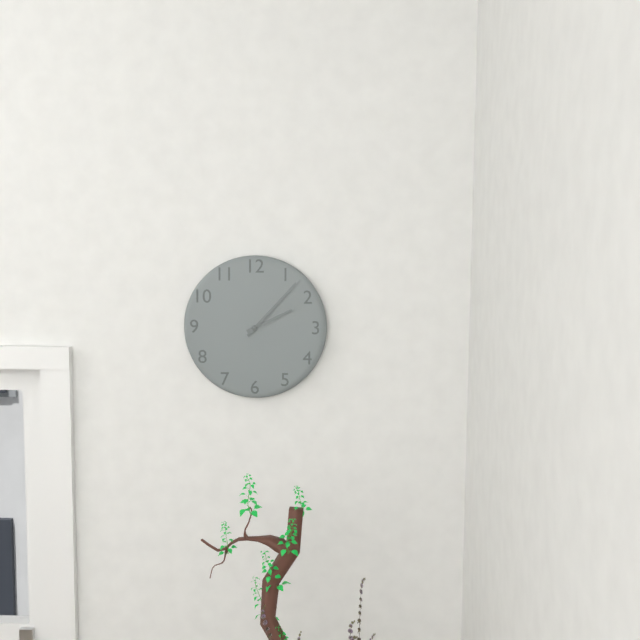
2:07
